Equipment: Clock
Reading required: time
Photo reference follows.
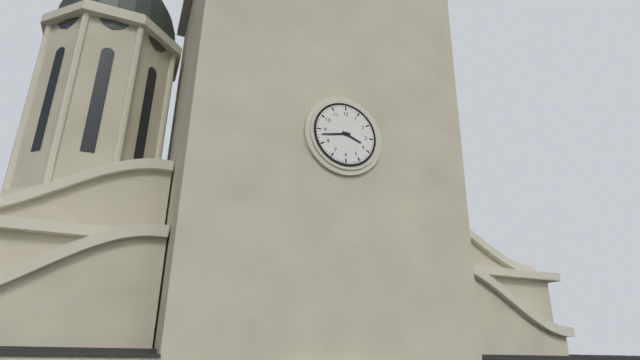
3:43
